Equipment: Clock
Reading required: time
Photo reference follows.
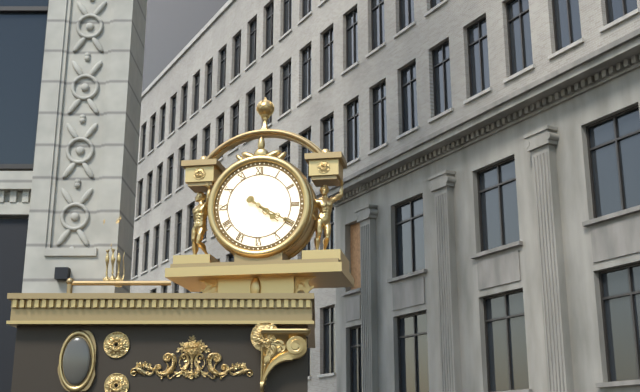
4:20
